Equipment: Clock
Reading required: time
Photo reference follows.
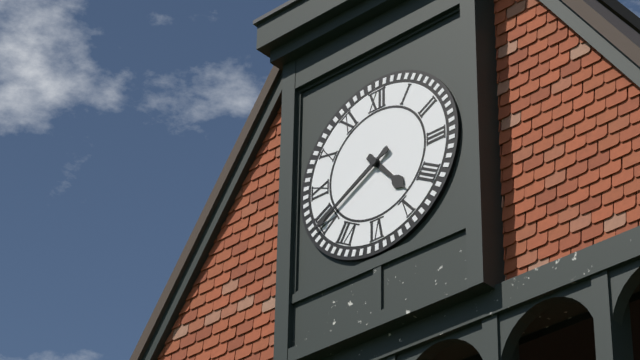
4:40
